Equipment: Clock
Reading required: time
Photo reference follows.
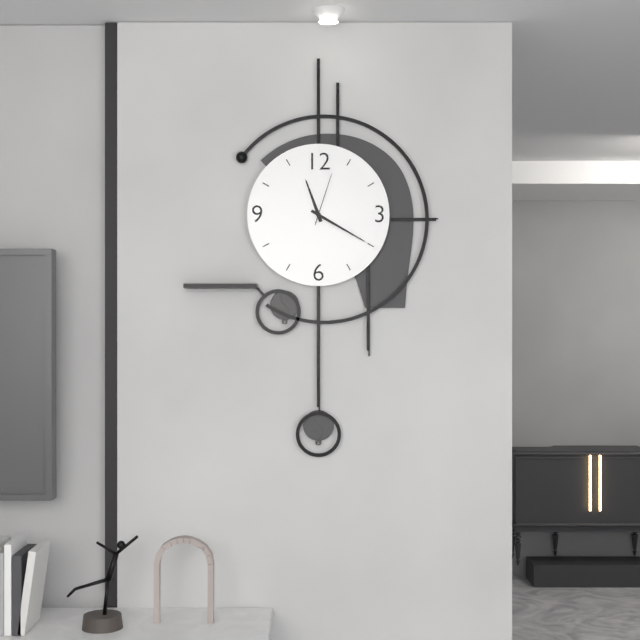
11:20:03
